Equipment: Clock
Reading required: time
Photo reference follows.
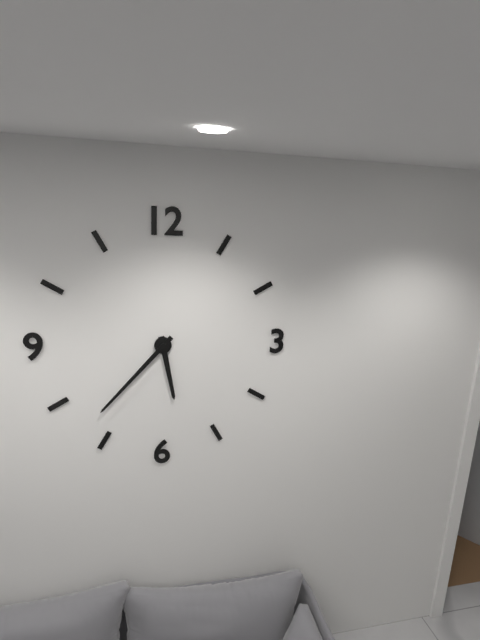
5:37
